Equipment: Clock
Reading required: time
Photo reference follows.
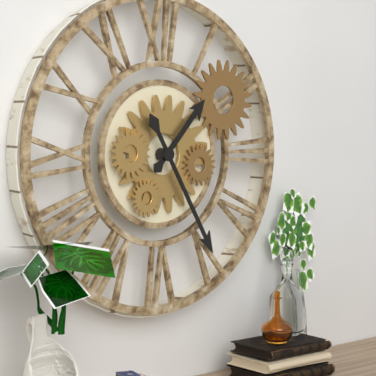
1:25
